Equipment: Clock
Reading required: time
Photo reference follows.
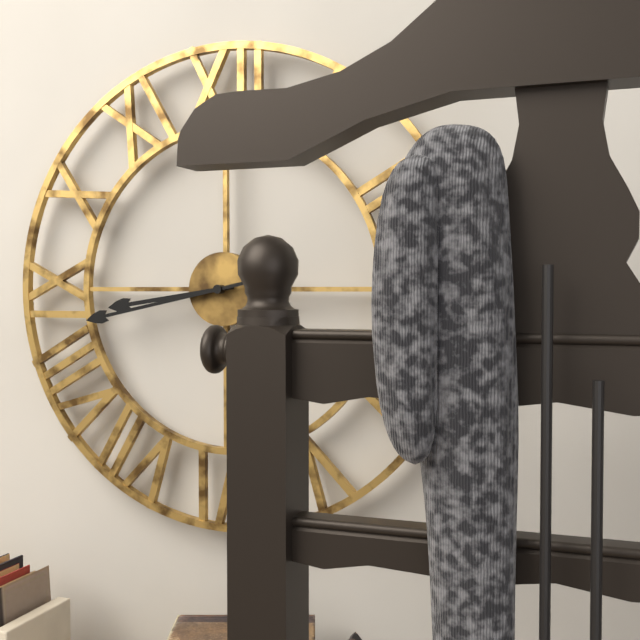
8:43
